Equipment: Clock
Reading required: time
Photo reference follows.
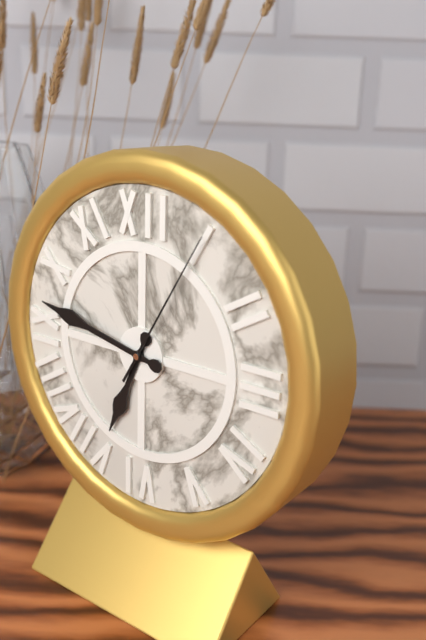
6:47:05
